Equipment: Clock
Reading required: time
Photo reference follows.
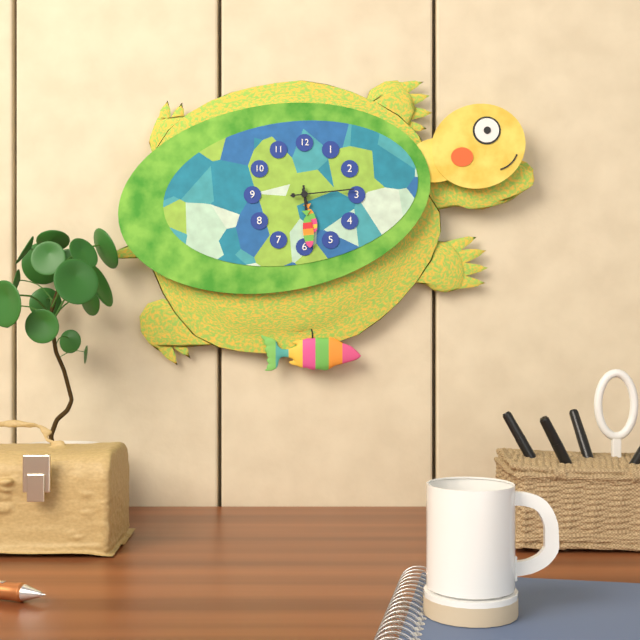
5:29:14
